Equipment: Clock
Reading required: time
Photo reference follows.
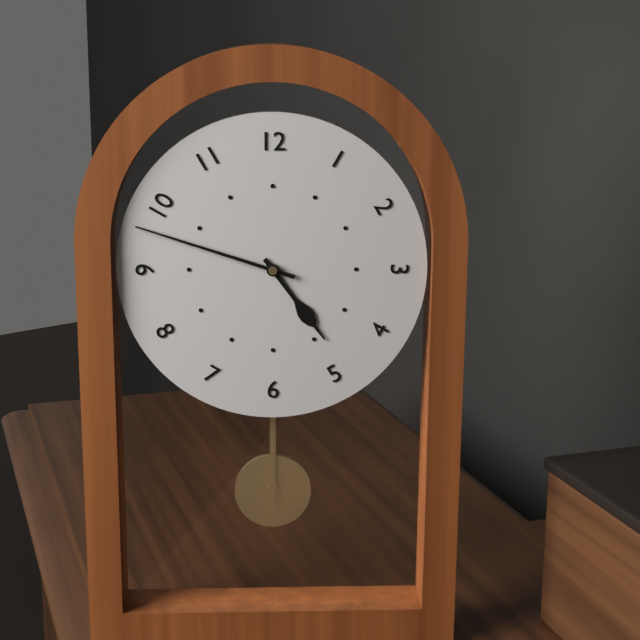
4:48
